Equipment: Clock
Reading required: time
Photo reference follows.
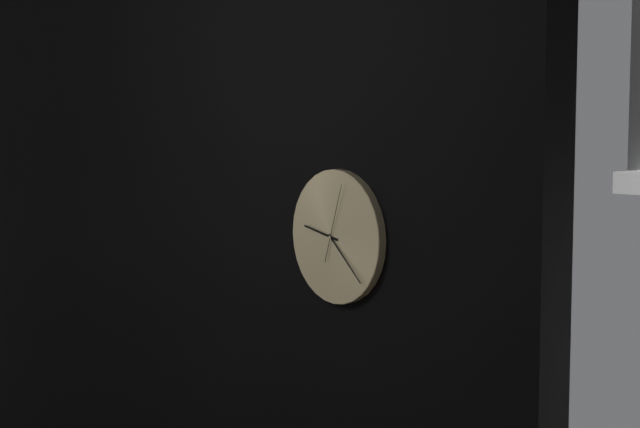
9:22:03
